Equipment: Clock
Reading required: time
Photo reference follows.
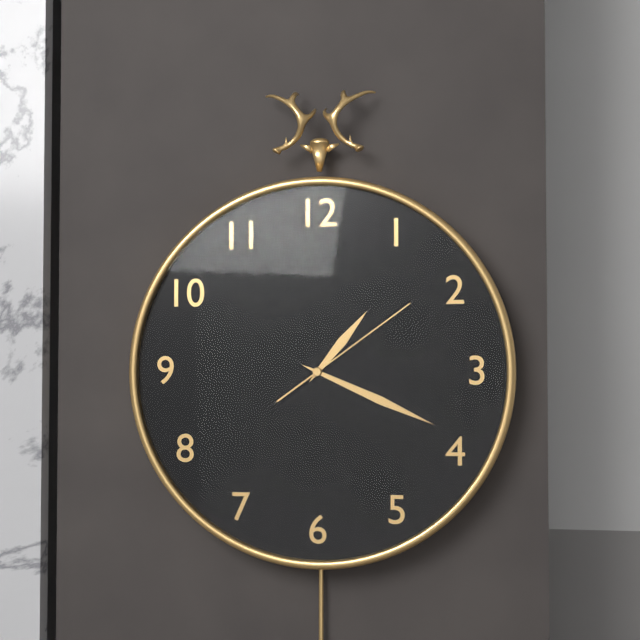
1:19:09
